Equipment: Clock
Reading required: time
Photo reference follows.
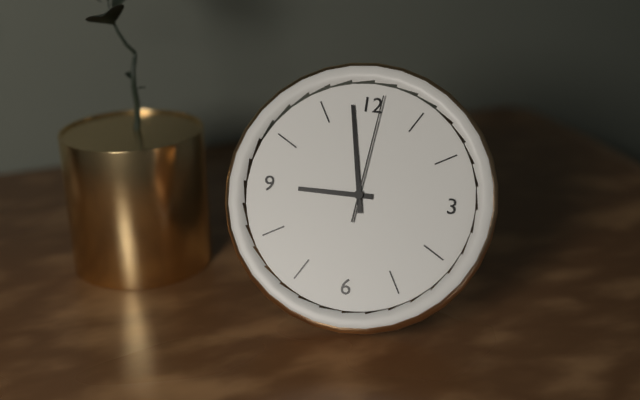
8:58:01
